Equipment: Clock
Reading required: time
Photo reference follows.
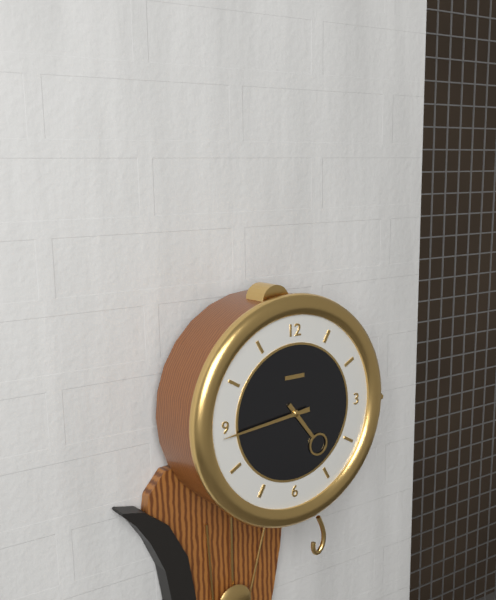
4:44
